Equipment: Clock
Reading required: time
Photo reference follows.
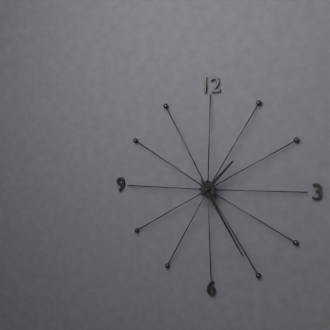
1:25
